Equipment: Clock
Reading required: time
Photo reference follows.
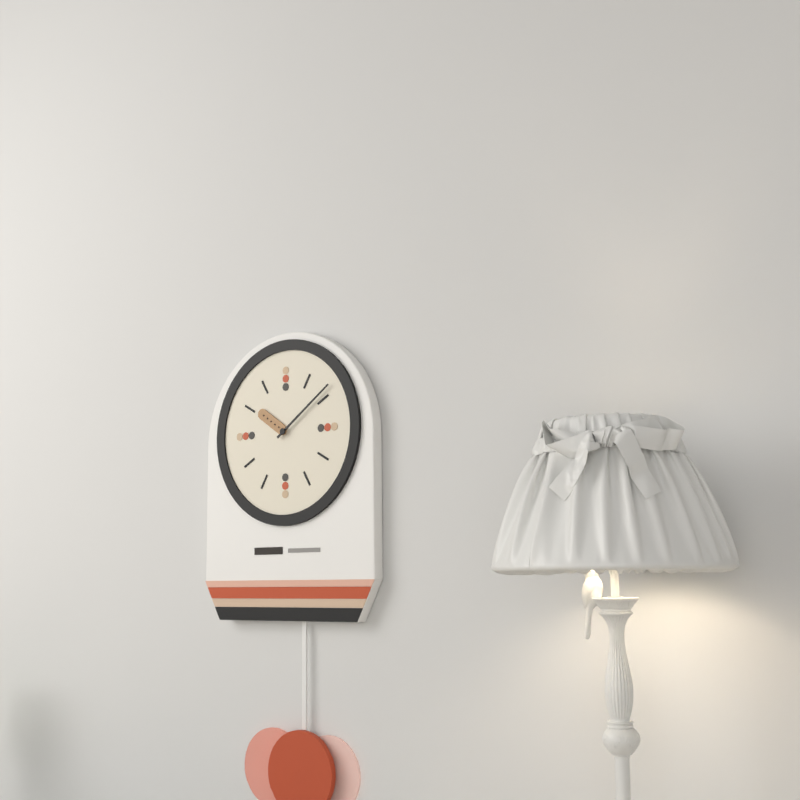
10:09
